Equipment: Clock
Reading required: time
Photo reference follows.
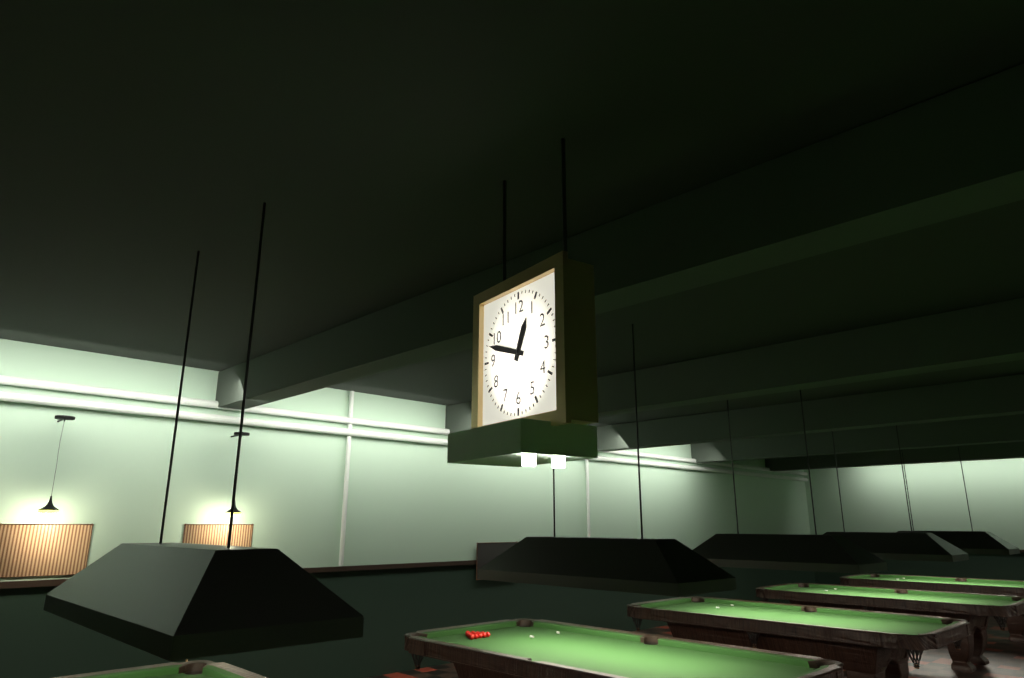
12:48
